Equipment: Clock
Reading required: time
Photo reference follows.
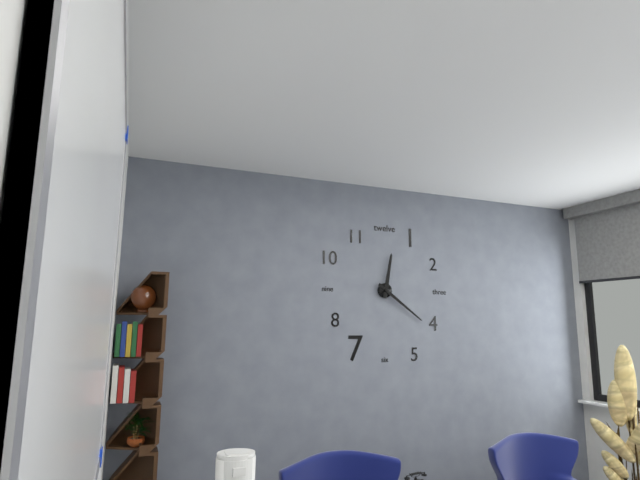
12:21
